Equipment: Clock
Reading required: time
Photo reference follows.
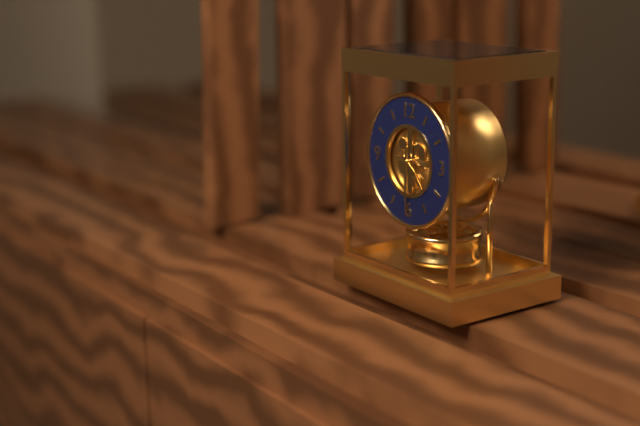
4:30
